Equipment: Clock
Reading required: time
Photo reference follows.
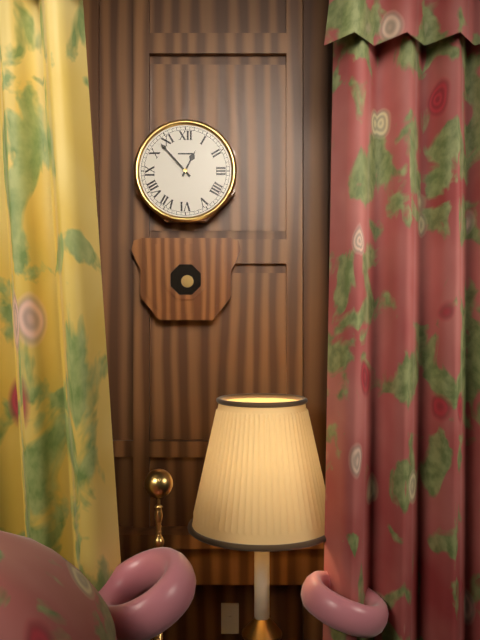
12:53
